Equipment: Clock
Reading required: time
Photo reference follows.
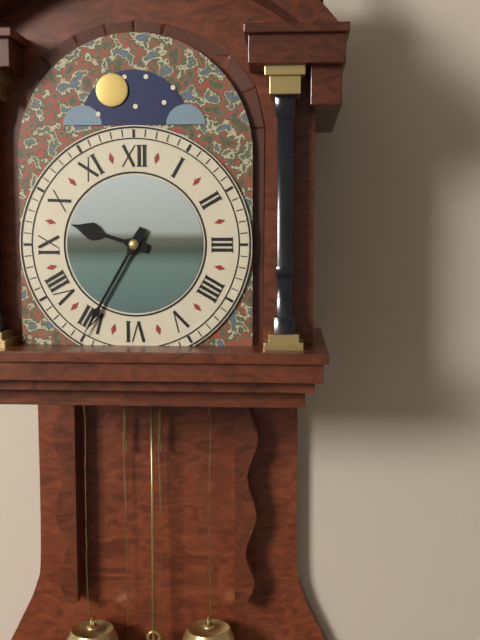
9:35
